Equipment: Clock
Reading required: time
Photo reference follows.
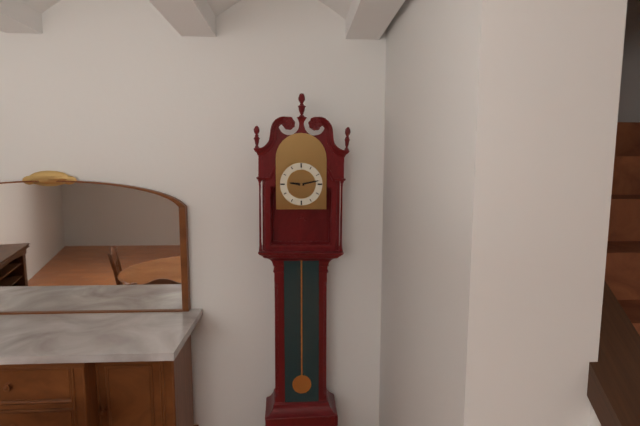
9:13
